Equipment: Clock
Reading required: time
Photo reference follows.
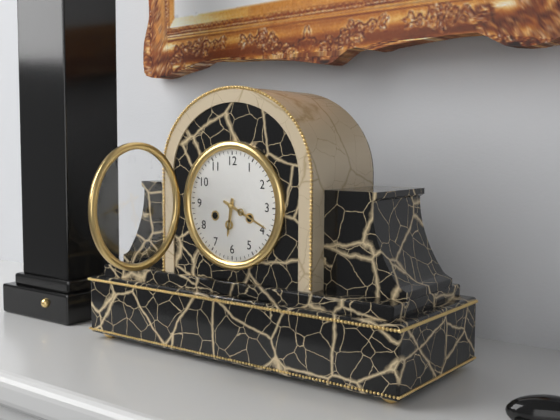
6:19
